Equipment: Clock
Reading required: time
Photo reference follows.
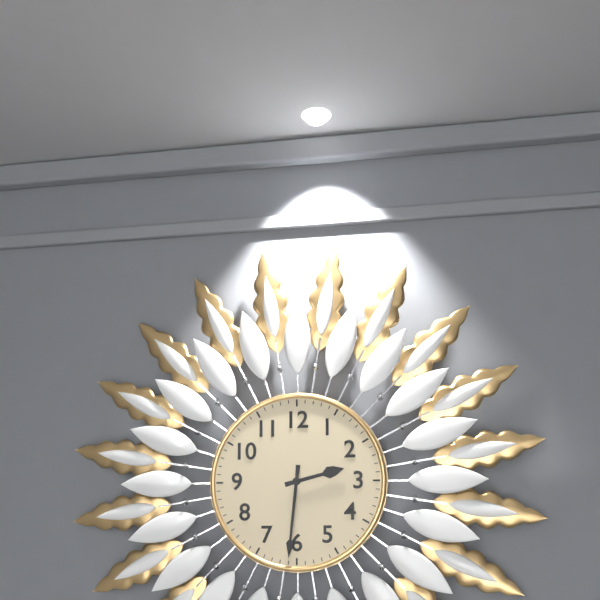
2:31
